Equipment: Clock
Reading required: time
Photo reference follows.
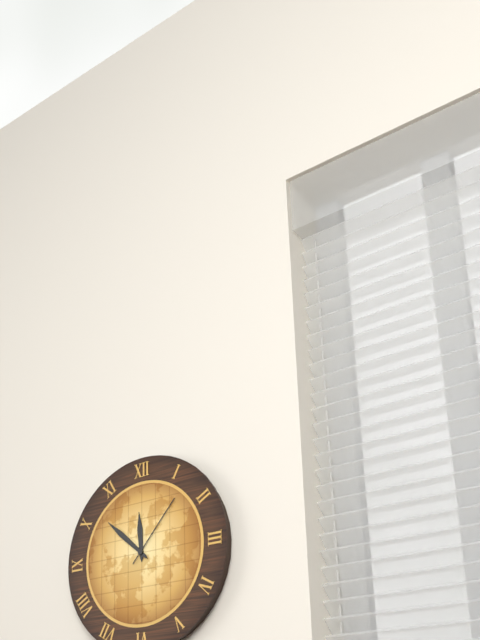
11:52:07
